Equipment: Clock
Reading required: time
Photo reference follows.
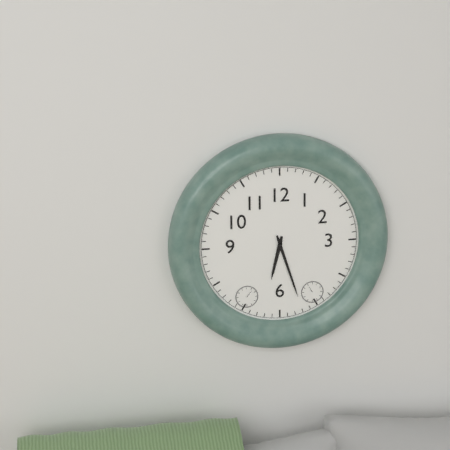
6:27
